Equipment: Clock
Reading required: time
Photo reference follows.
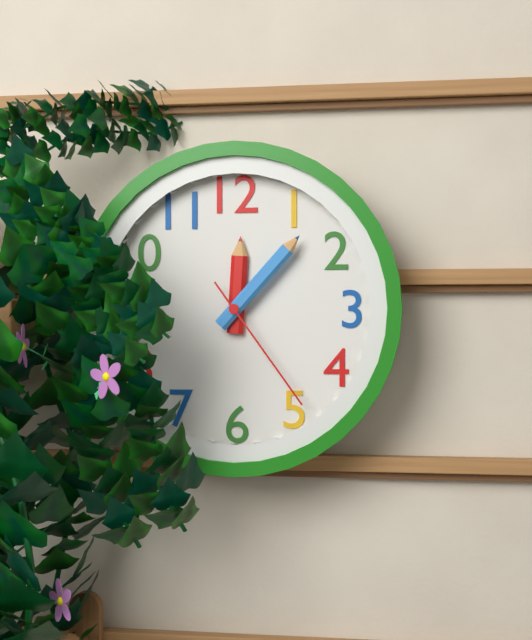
12:07:24
